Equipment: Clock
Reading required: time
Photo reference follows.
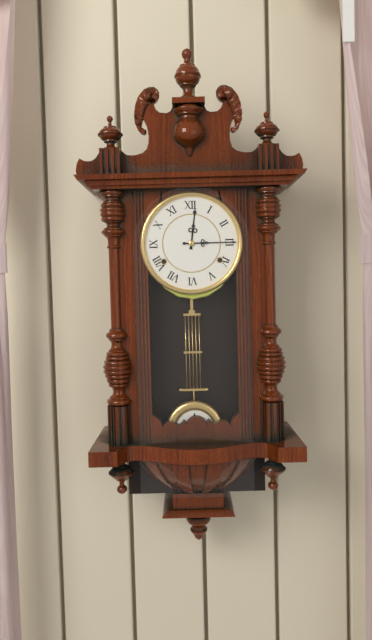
12:15
